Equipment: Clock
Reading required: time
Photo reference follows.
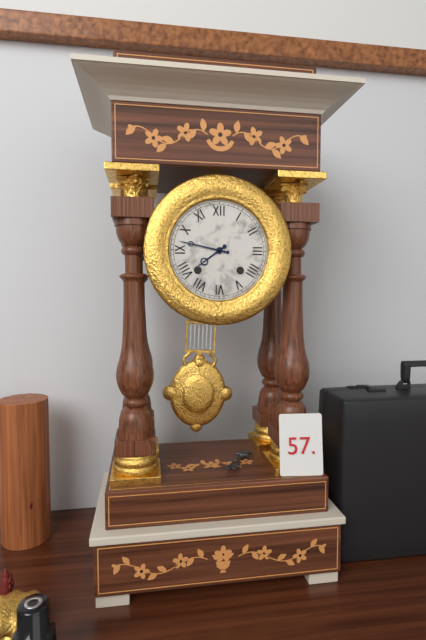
7:47
